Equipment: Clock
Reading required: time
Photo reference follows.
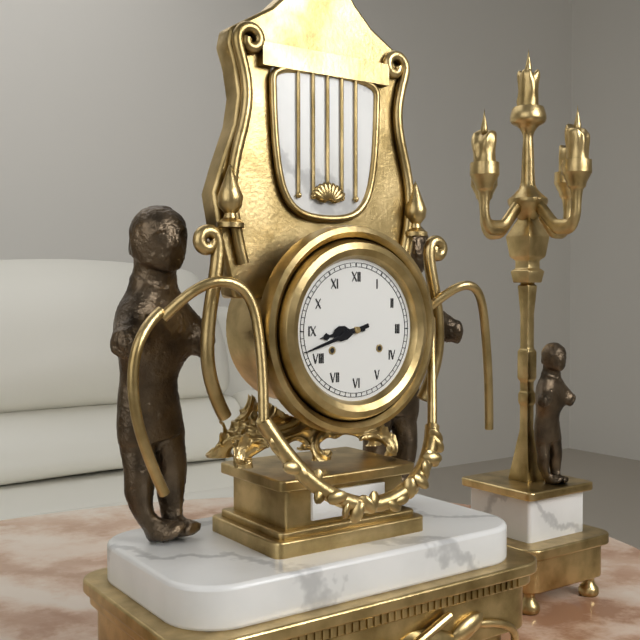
8:42
